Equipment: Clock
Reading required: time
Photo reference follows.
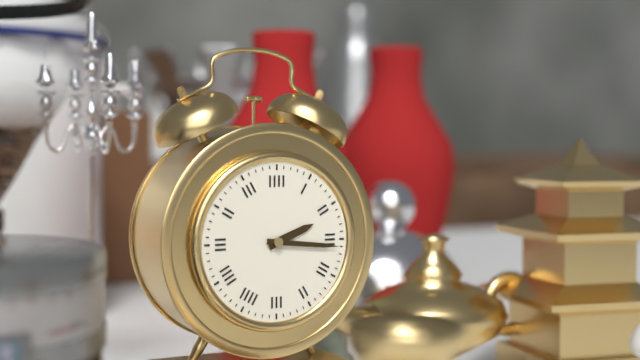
2:16
